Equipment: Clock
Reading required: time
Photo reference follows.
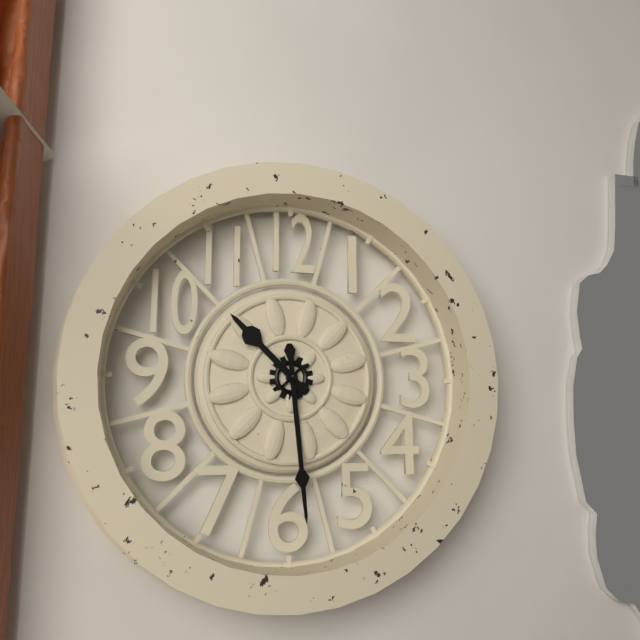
10:29
